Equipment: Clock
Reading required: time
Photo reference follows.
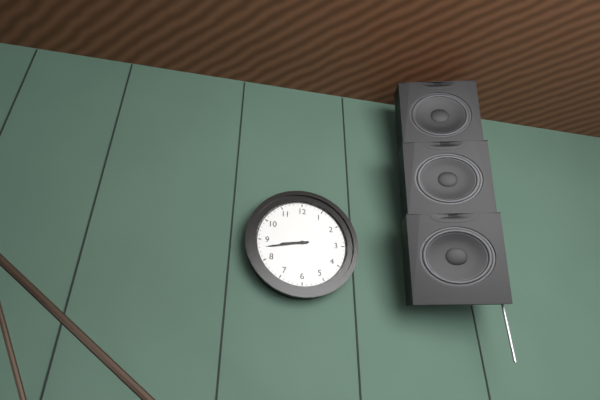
8:43
